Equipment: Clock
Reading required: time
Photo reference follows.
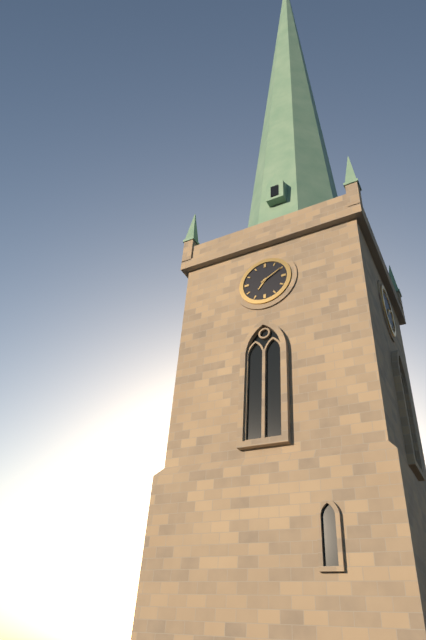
7:10
